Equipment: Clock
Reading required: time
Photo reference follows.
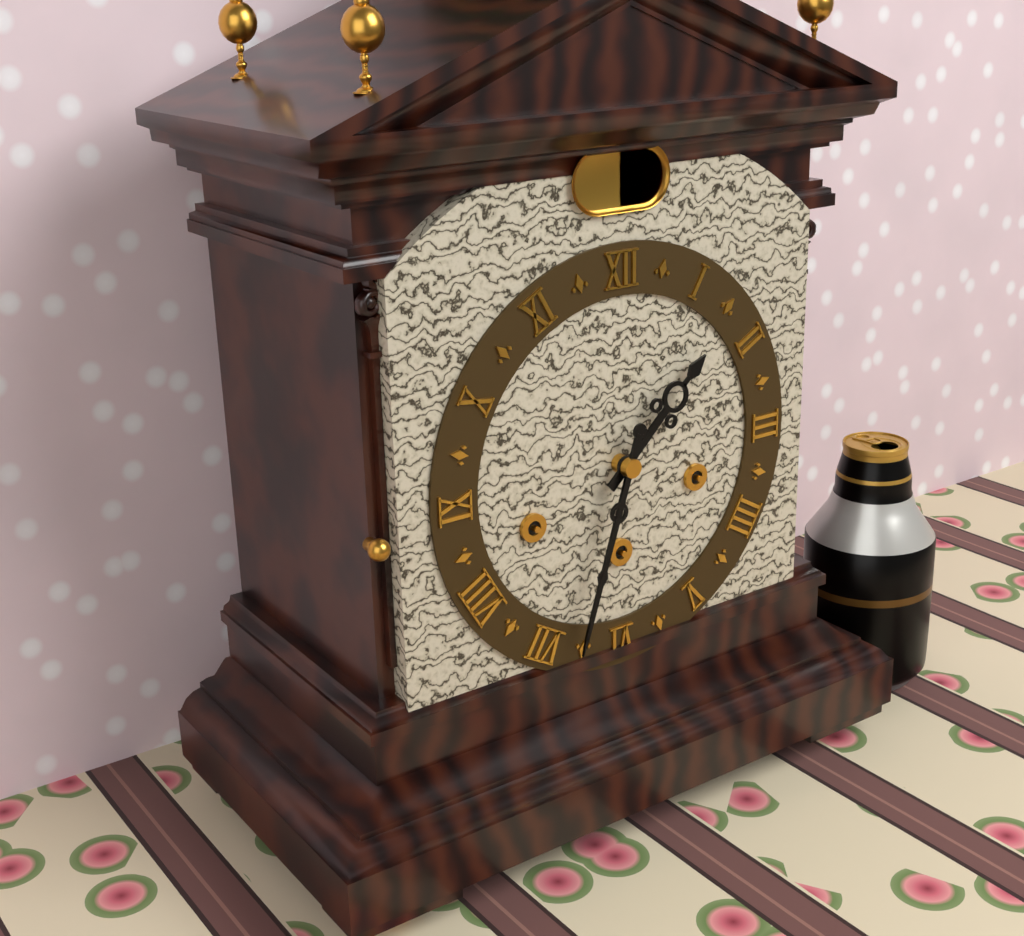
1:33
